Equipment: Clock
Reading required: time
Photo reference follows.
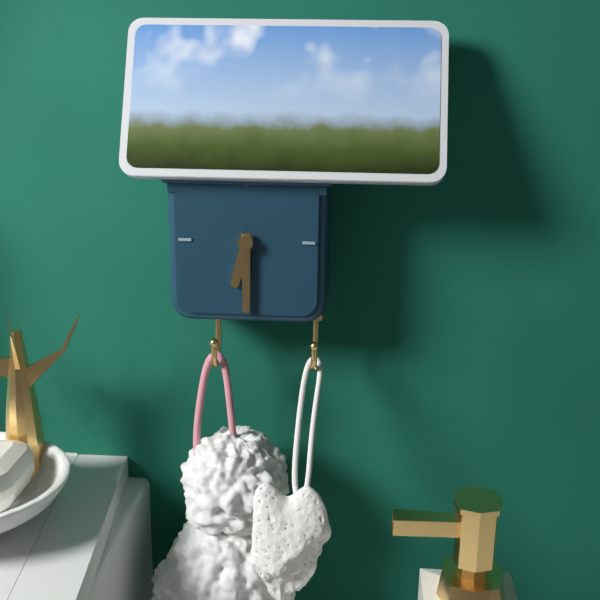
6:30
